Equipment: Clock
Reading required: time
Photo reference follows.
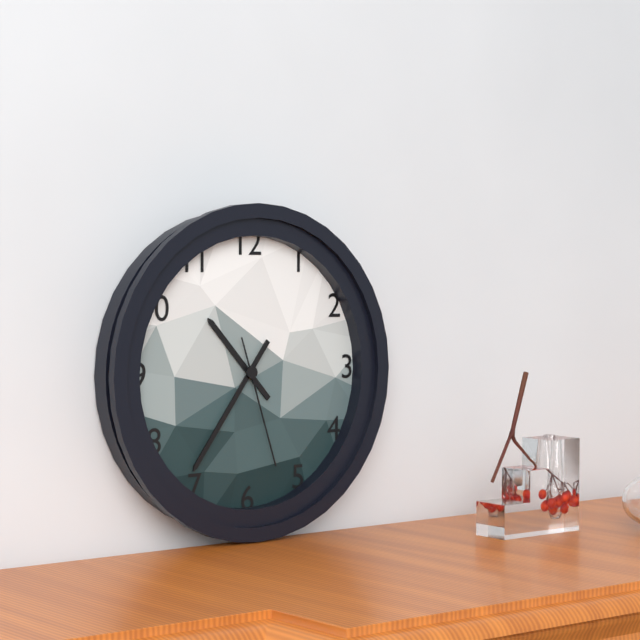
10:36:27
